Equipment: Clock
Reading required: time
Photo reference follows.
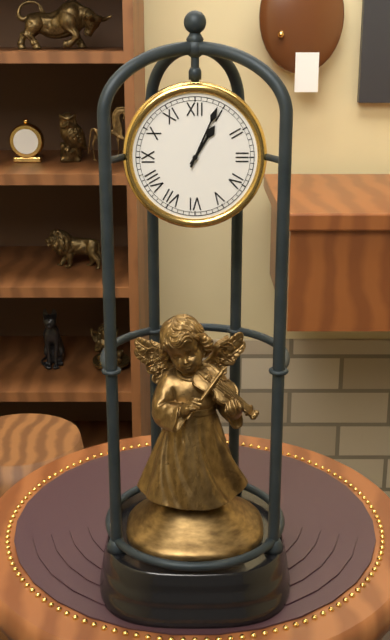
1:04
